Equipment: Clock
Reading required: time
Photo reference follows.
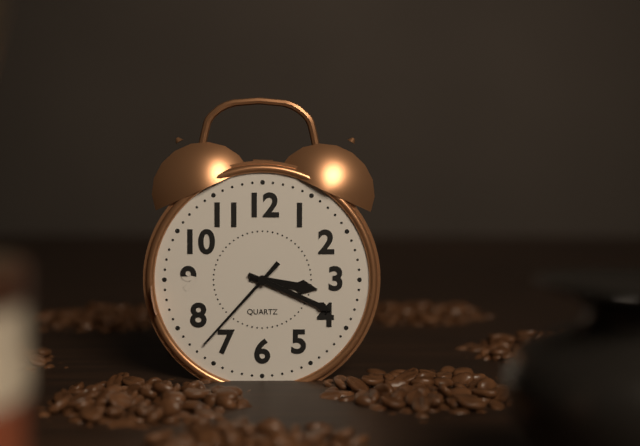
3:19:37
